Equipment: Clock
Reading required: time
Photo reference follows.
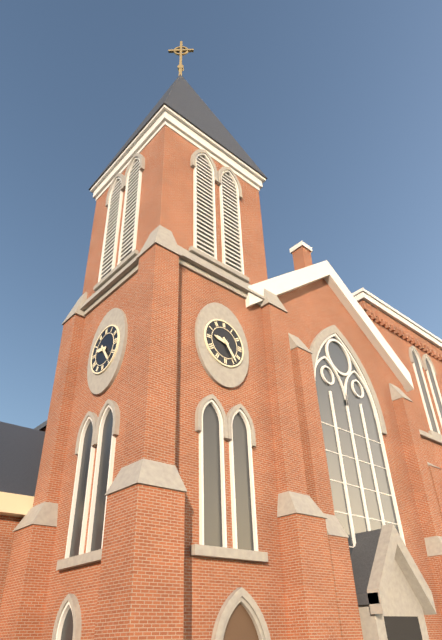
9:24
